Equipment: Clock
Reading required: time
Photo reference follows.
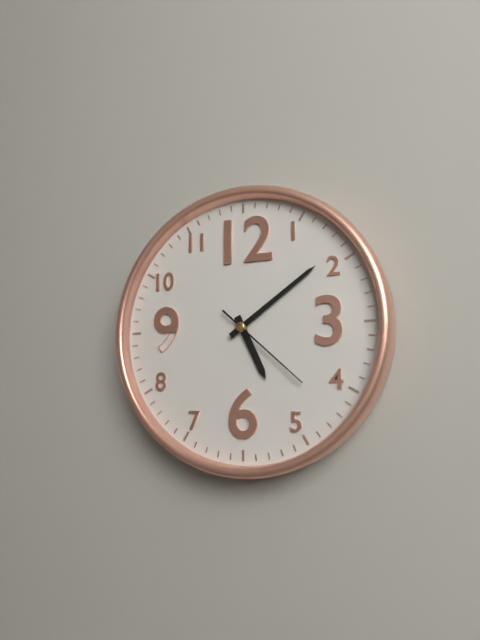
5:09:22
